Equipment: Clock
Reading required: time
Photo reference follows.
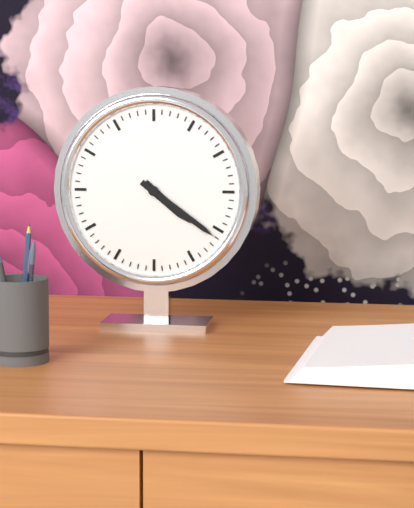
4:21
